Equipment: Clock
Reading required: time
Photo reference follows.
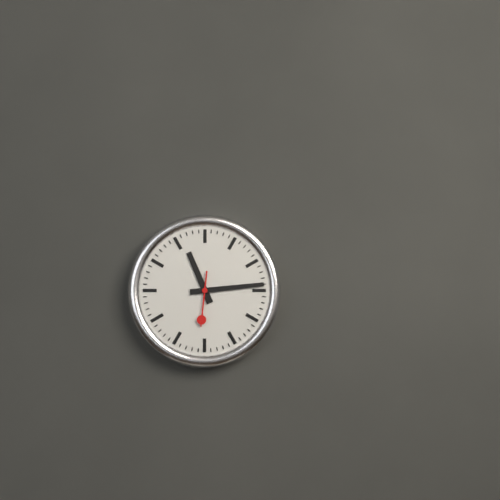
11:14
